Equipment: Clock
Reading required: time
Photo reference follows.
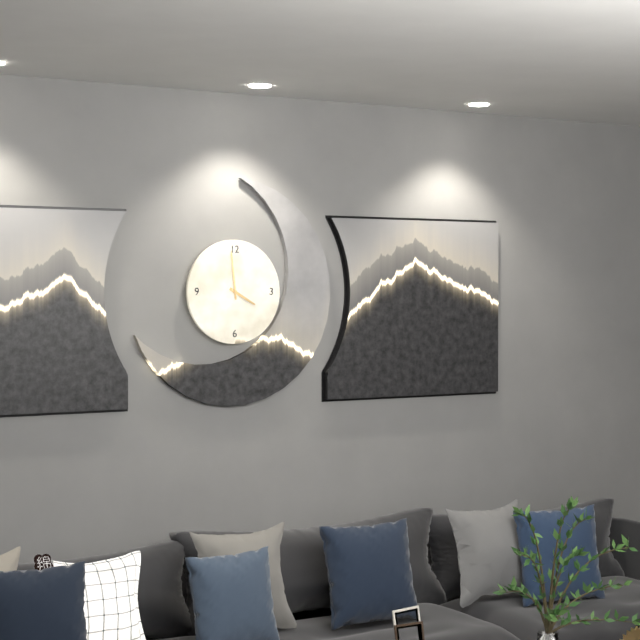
3:59
